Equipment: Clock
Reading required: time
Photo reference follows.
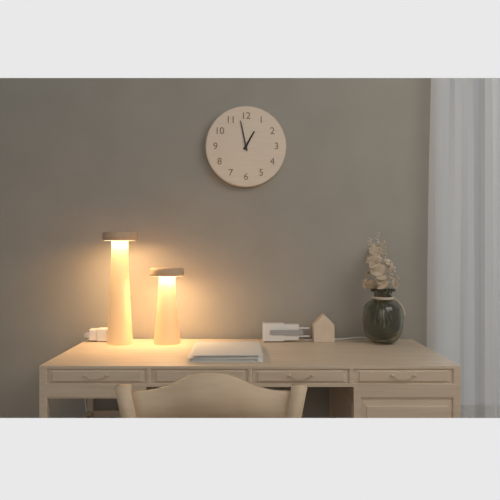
12:58
